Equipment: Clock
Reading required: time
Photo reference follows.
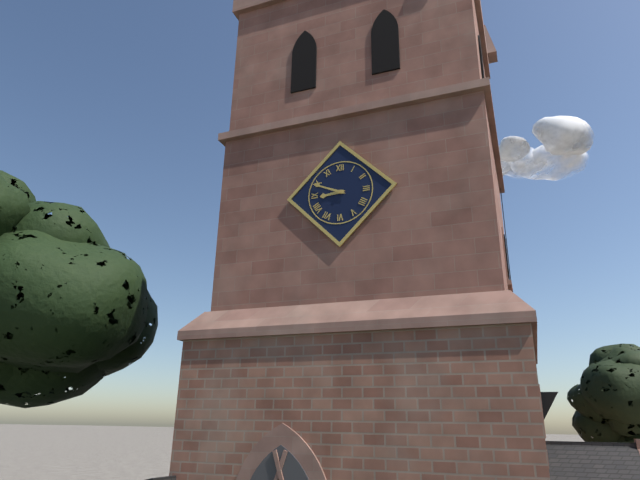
8:49
